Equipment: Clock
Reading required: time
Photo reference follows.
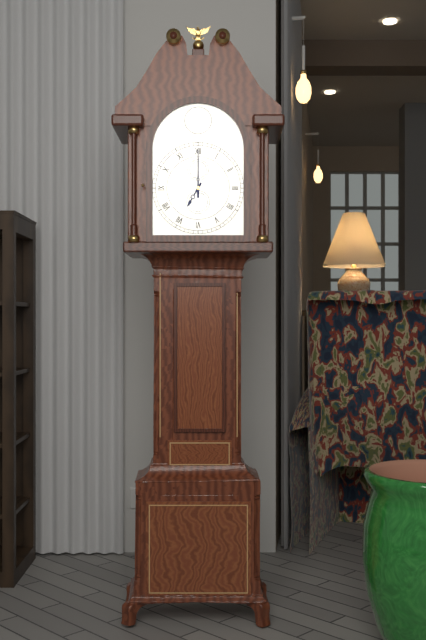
7:00
